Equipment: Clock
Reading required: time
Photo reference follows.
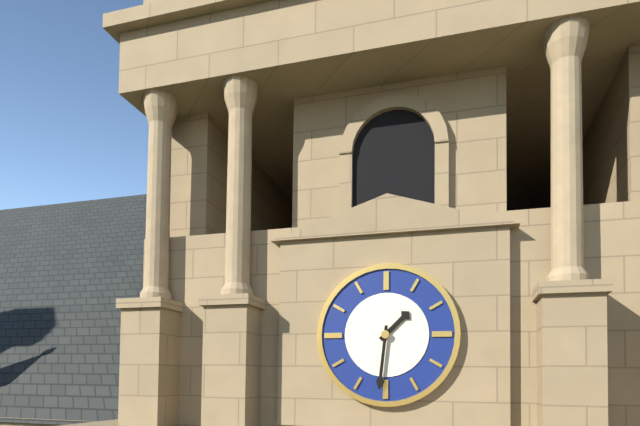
1:31
